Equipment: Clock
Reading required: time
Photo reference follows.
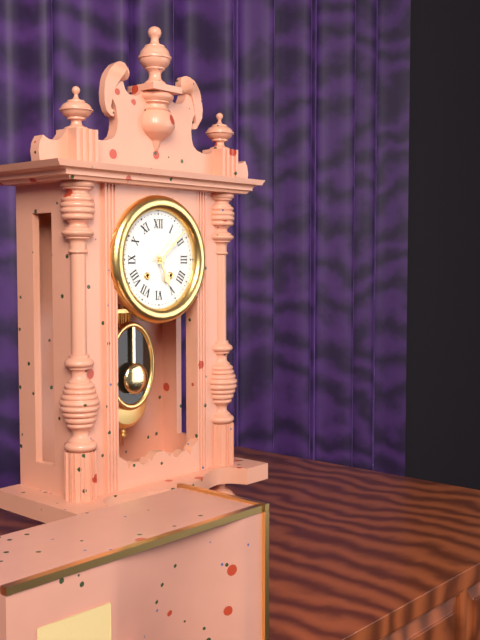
5:08
